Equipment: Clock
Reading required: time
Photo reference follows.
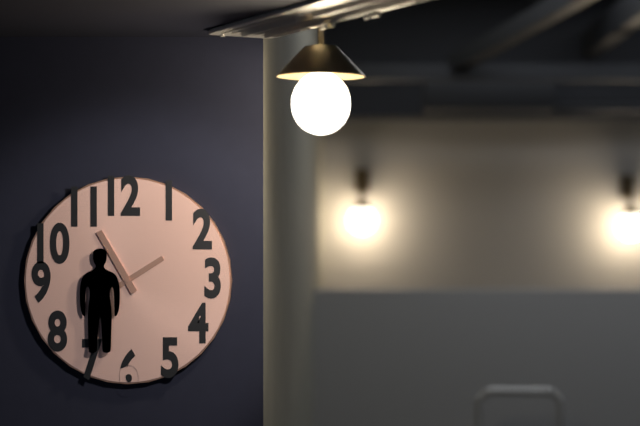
1:55
